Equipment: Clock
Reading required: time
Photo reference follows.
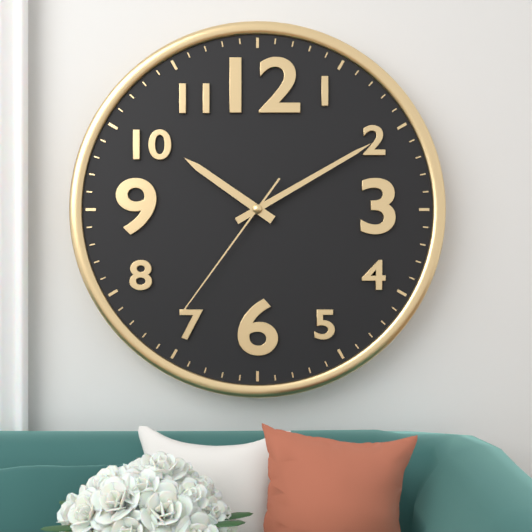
10:10:36
